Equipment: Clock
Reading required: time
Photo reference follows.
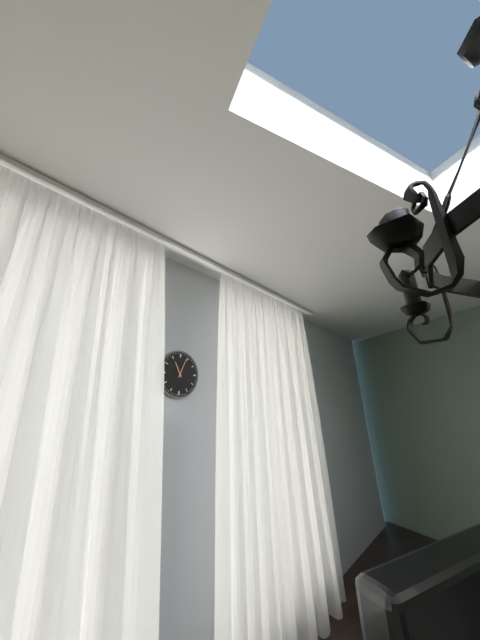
11:04
